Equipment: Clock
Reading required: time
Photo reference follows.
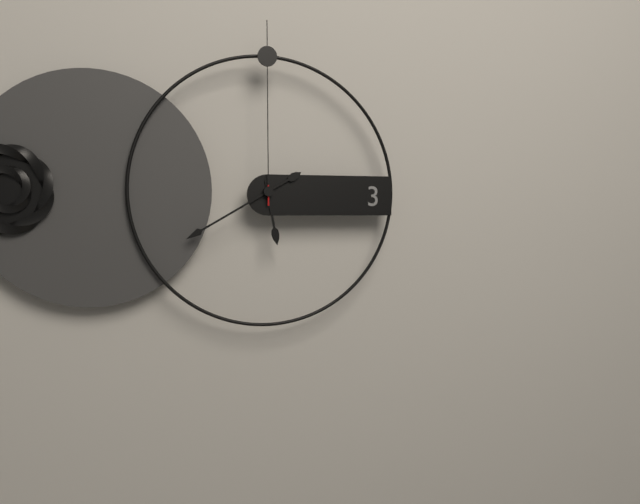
5:40:00
